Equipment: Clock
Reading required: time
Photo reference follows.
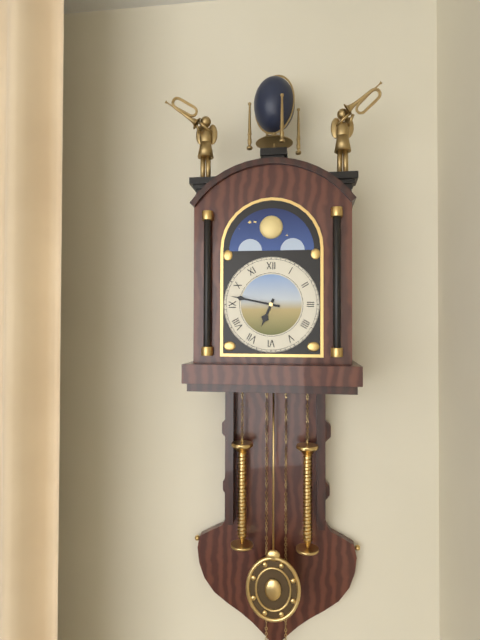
6:47
